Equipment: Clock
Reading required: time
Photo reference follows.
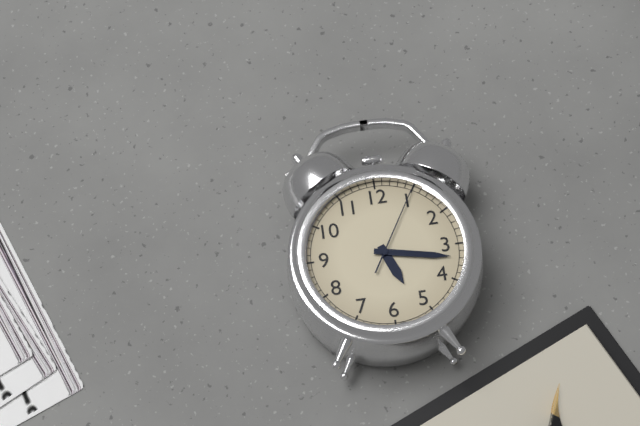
5:17:05
